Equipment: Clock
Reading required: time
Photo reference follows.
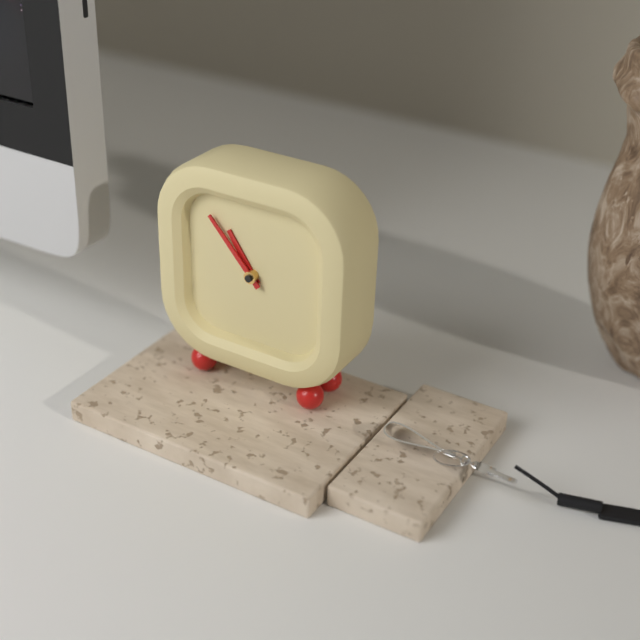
10:53
